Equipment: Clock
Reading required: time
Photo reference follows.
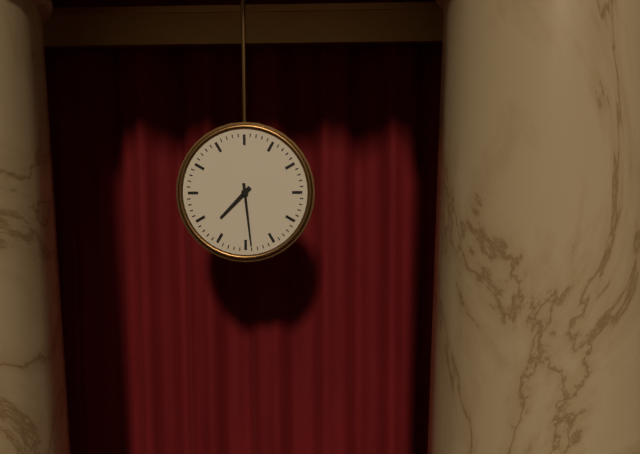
7:29
